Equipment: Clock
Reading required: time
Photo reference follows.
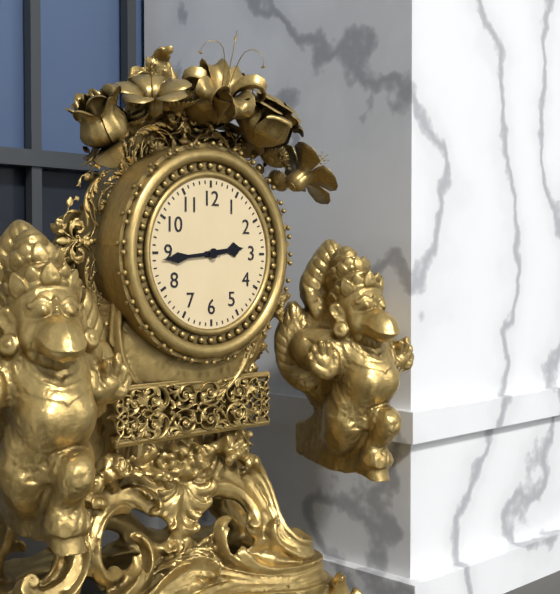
2:44
